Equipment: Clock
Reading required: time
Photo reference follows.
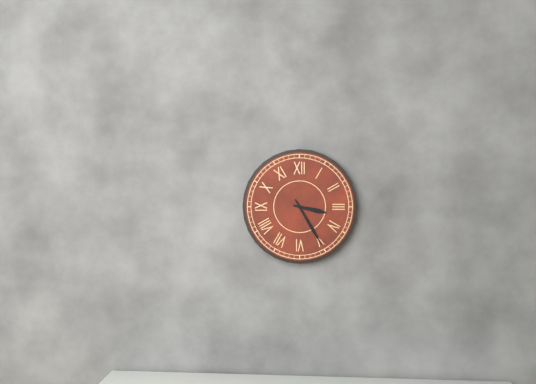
3:25
